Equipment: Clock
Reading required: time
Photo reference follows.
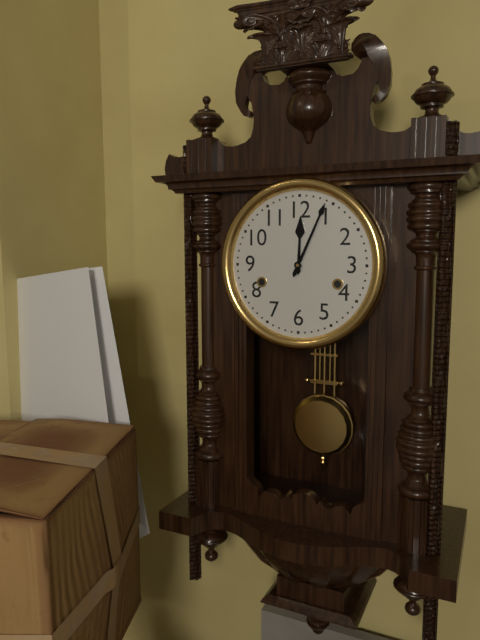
12:04
